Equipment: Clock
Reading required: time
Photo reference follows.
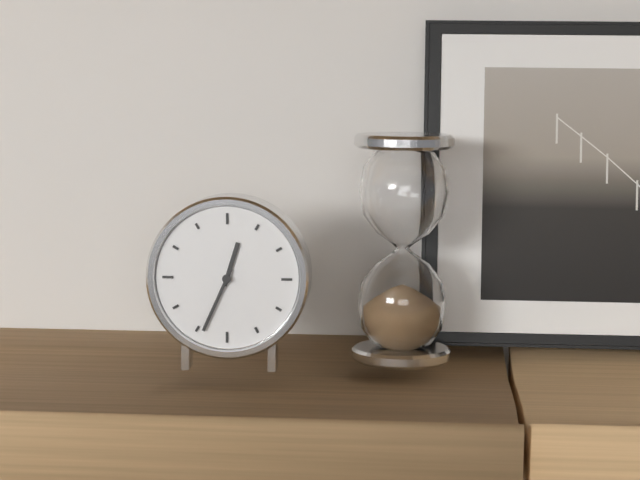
12:34
